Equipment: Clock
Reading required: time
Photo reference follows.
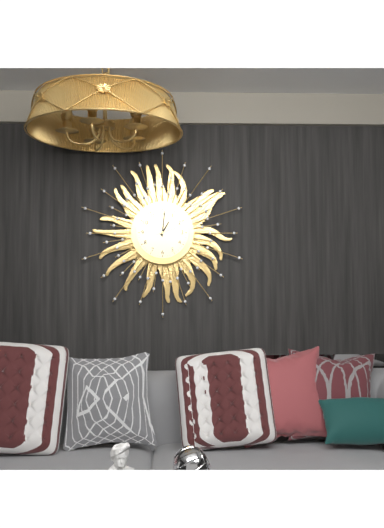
1:01
